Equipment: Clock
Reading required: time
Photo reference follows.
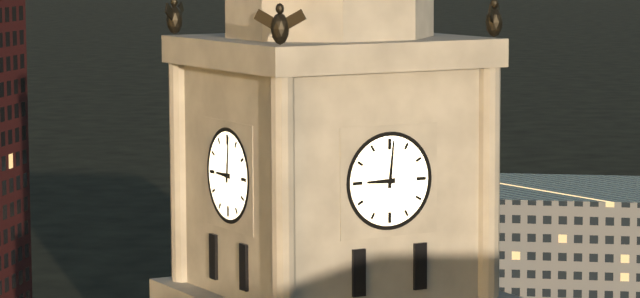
9:01
